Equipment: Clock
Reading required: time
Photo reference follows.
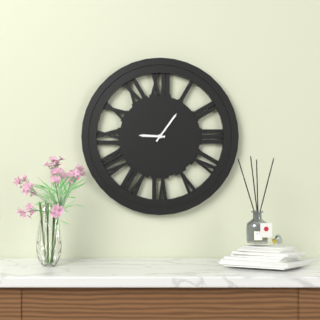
9:06
